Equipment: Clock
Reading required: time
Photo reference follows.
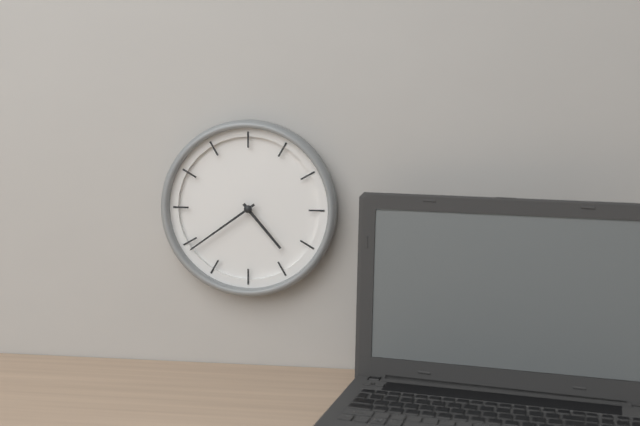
4:39
